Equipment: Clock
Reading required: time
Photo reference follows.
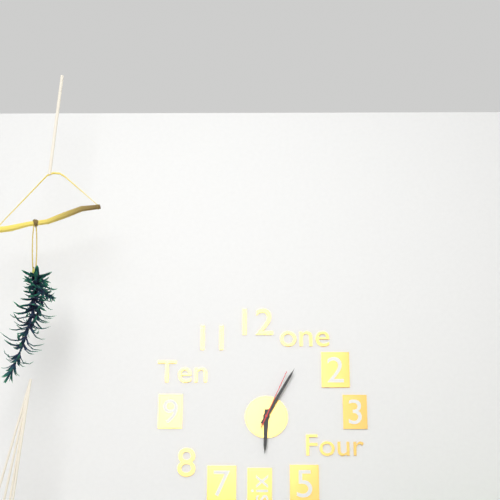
6:05:04
